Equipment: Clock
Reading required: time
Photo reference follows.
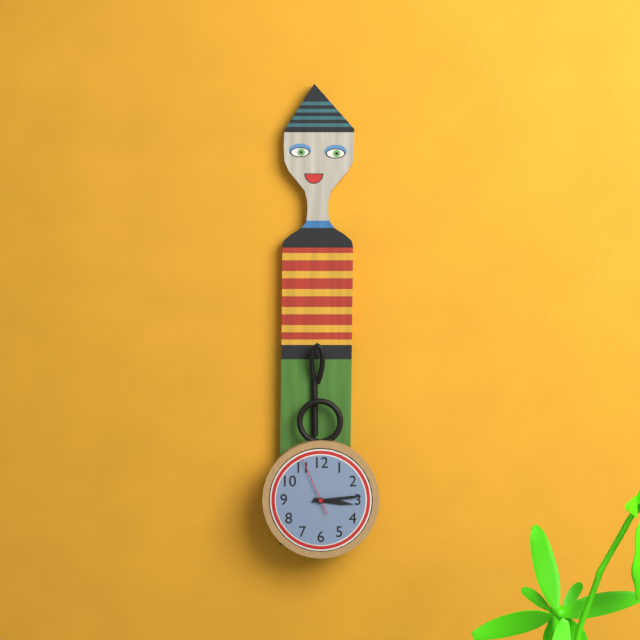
3:14:56
